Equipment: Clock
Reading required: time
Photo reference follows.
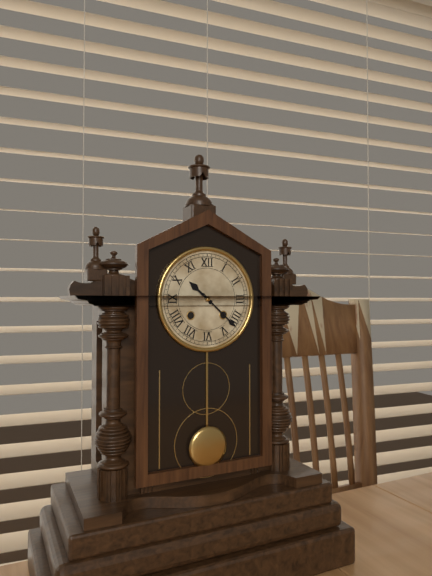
10:22
